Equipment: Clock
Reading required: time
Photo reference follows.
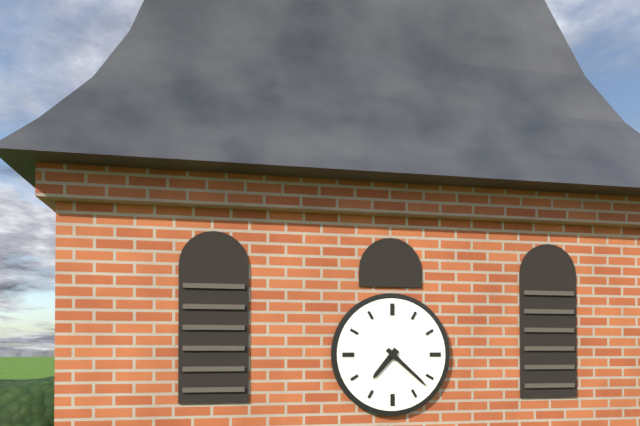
7:22
